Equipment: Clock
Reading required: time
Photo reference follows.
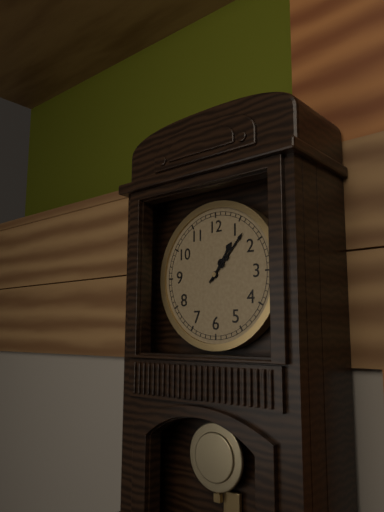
1:07
